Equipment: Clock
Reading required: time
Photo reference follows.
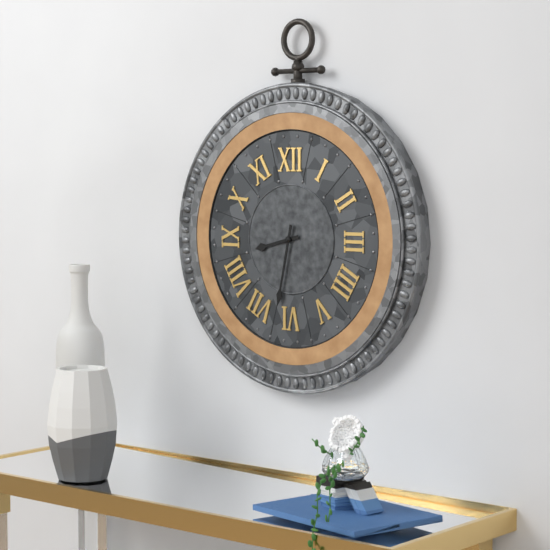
8:32
